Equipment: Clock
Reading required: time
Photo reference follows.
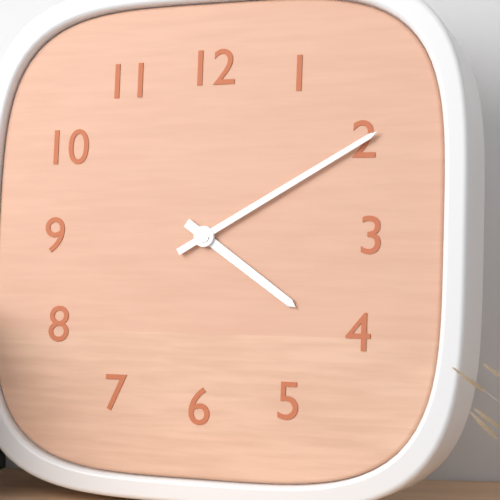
4:10
